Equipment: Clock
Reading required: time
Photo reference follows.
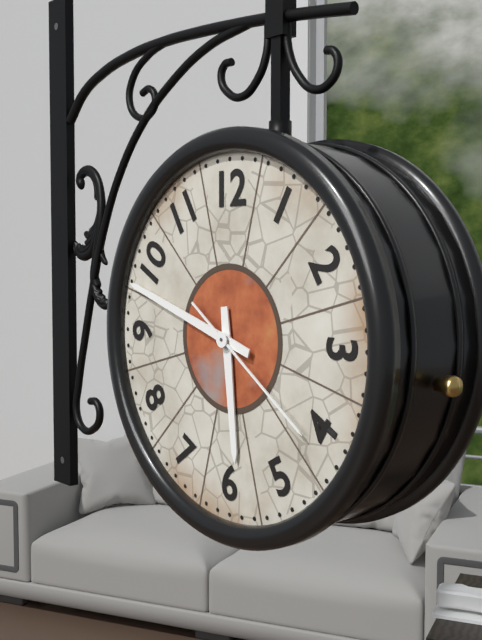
5:48:21
